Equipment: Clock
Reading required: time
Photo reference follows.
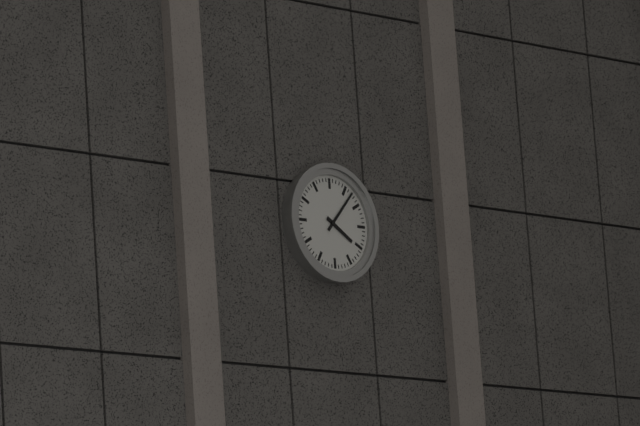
4:07
